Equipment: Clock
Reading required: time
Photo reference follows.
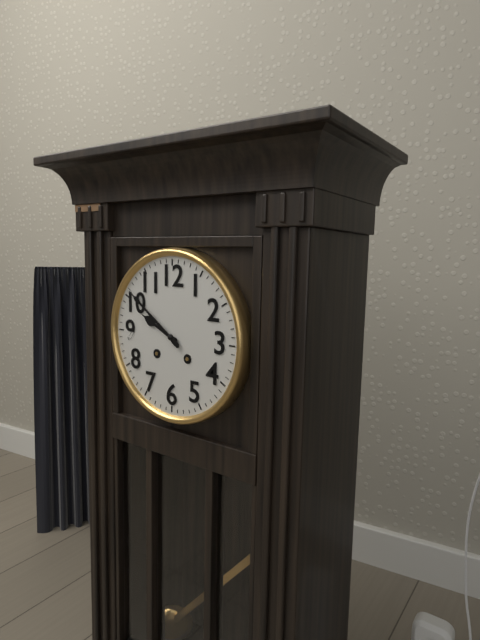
9:51
